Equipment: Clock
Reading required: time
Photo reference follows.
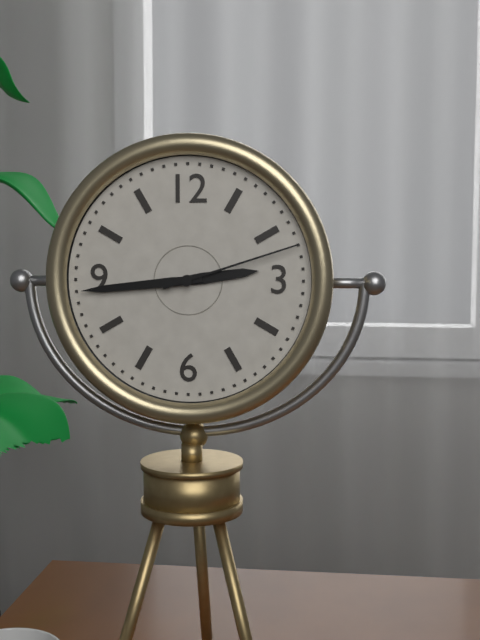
2:44:12
